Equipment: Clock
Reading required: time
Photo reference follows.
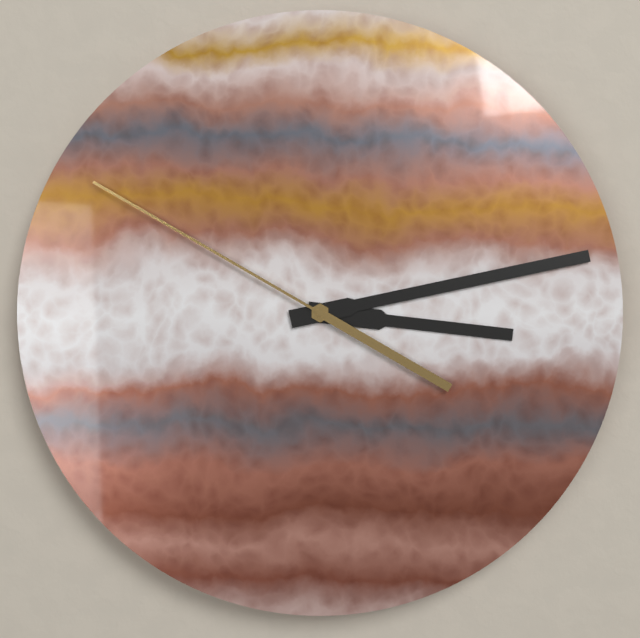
3:13:50
